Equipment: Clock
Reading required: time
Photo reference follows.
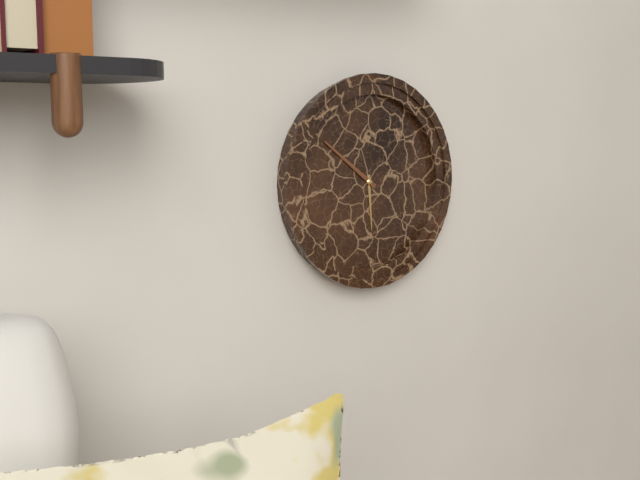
5:51
